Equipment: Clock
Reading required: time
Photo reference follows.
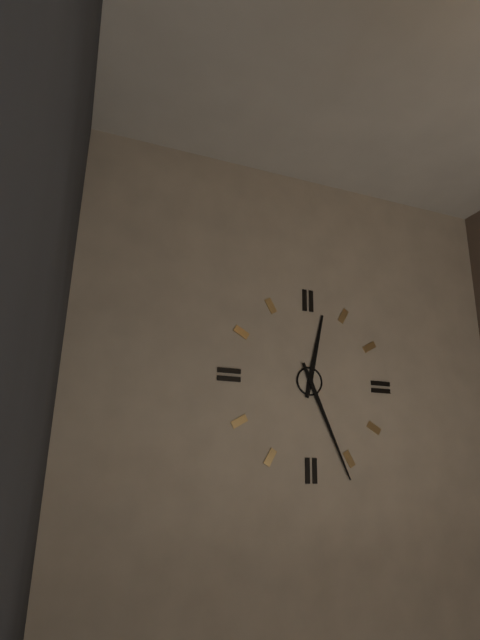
12:26
